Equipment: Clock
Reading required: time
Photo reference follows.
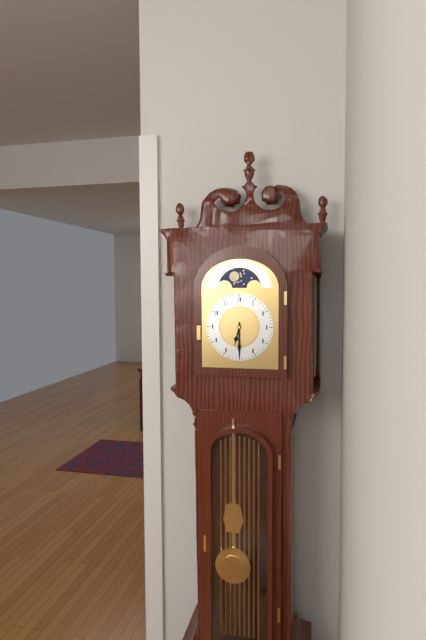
6:30
